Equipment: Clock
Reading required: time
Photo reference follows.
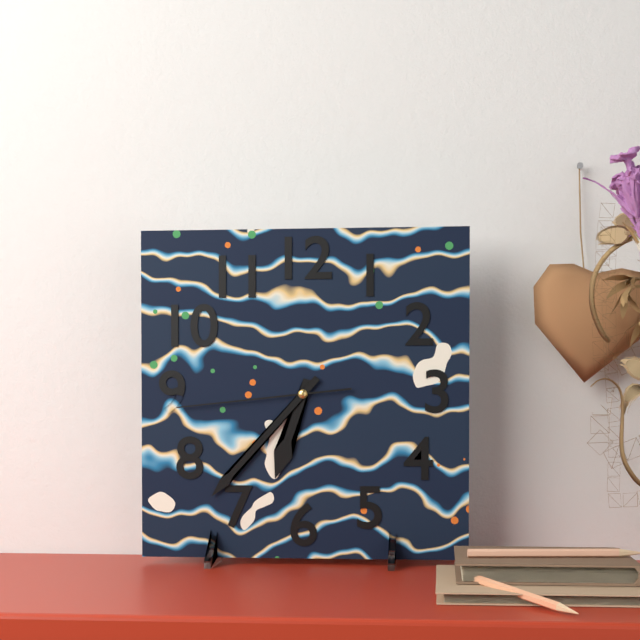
6:37:44
